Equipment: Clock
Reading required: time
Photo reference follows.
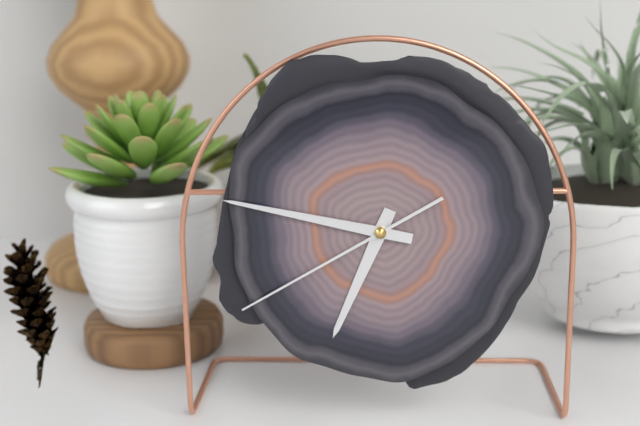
6:47:40
